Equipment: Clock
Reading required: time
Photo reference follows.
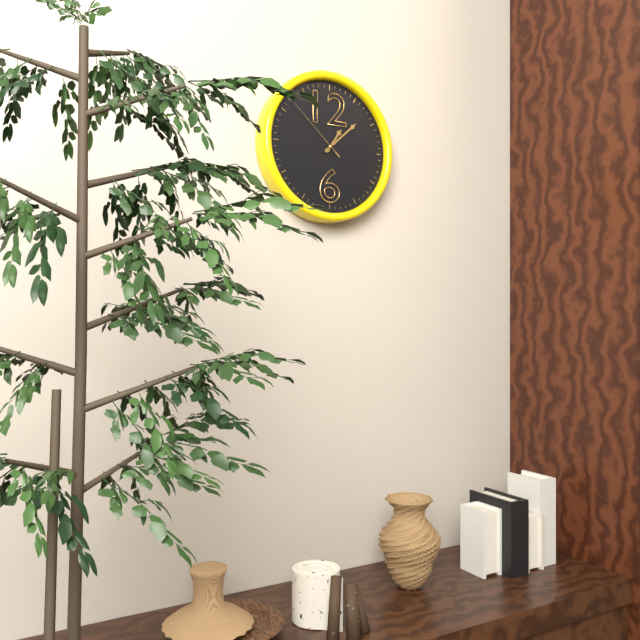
1:08:52
